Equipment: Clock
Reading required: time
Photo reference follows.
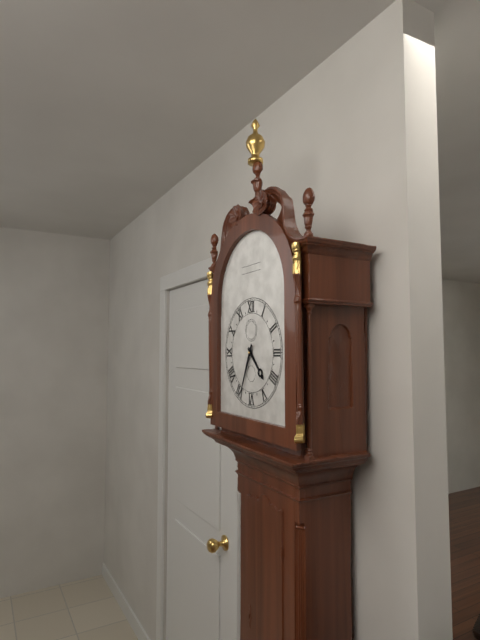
4:34
